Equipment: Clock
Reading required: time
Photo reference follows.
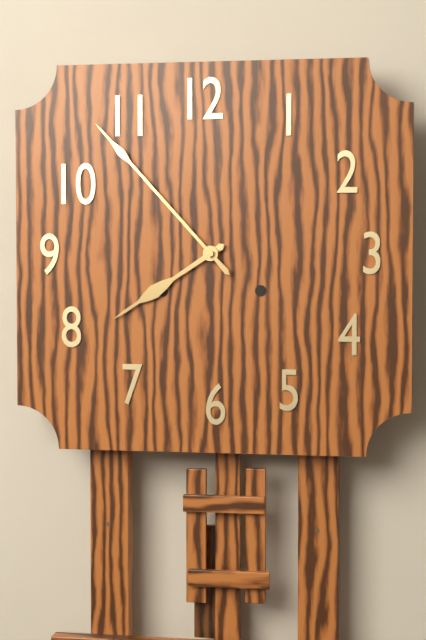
7:53
